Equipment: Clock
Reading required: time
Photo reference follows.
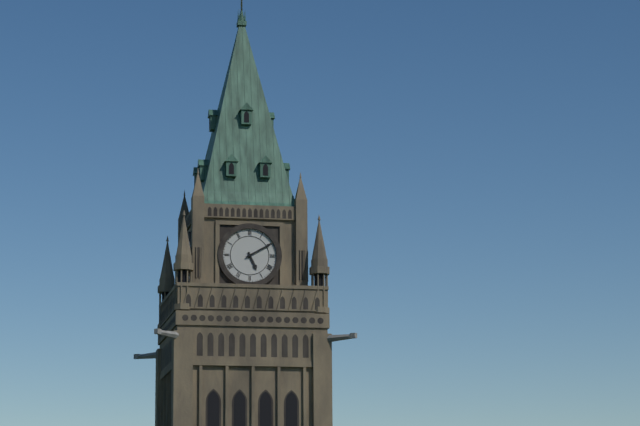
5:10
